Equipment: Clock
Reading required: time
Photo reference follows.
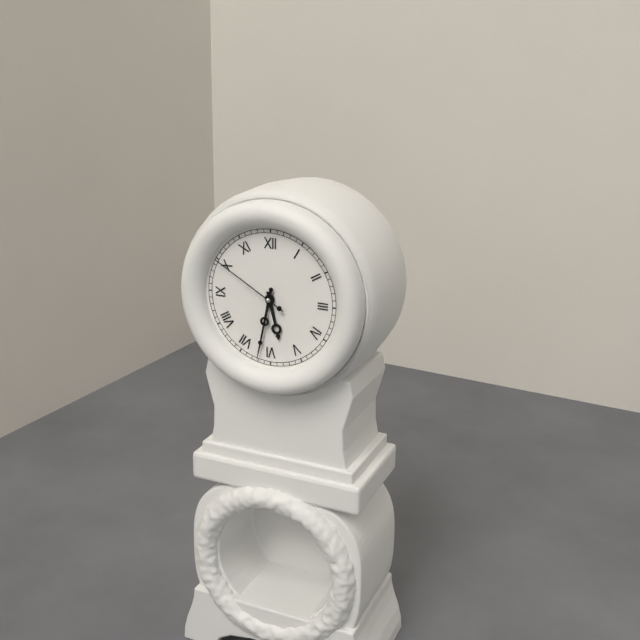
5:32:50
